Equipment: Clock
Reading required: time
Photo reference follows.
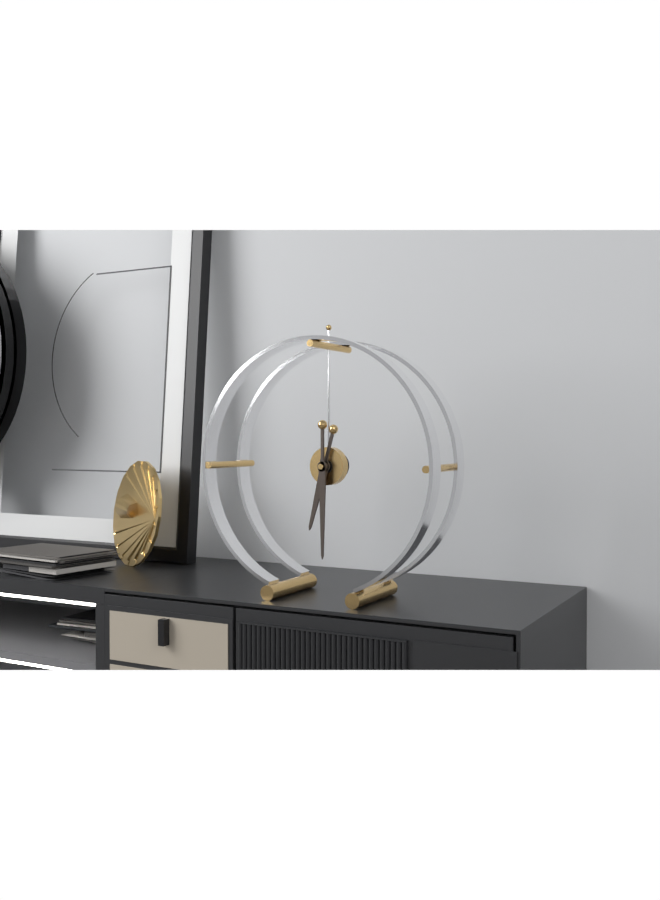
6:30
